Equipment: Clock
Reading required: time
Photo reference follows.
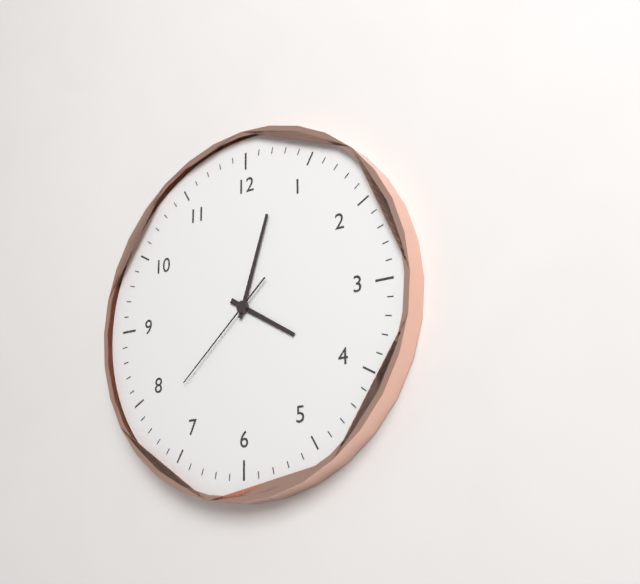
4:03:38
